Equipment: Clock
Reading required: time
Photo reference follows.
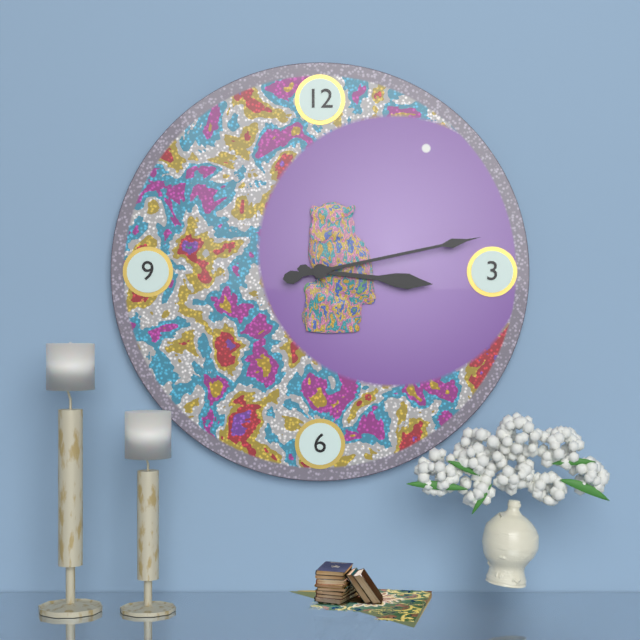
3:13
